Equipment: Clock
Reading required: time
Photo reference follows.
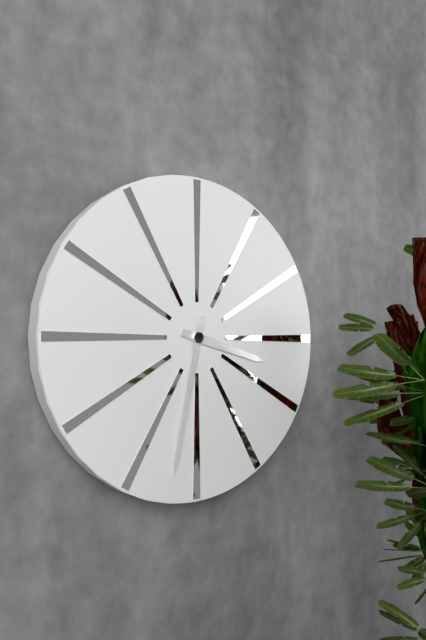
3:32
